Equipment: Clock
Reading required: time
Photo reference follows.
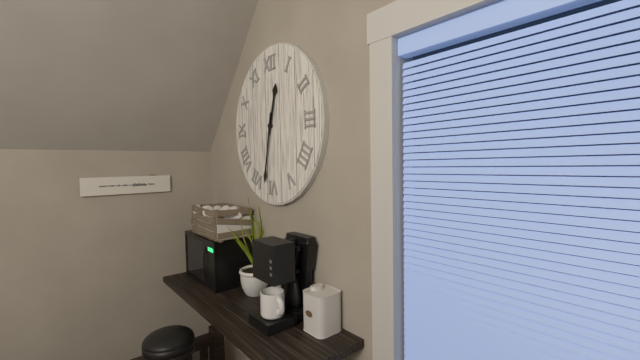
12:32
